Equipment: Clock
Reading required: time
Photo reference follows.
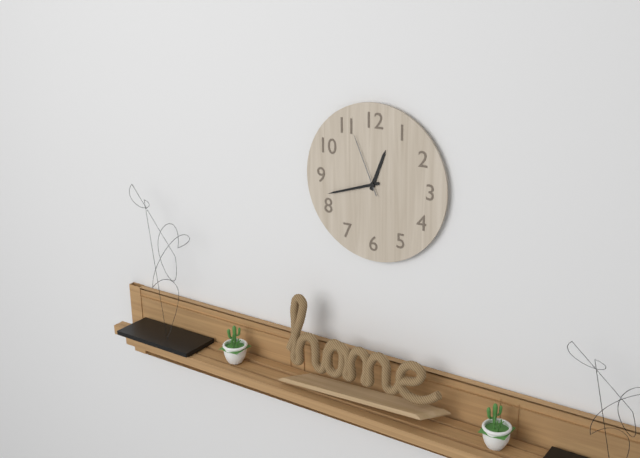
12:42:56
